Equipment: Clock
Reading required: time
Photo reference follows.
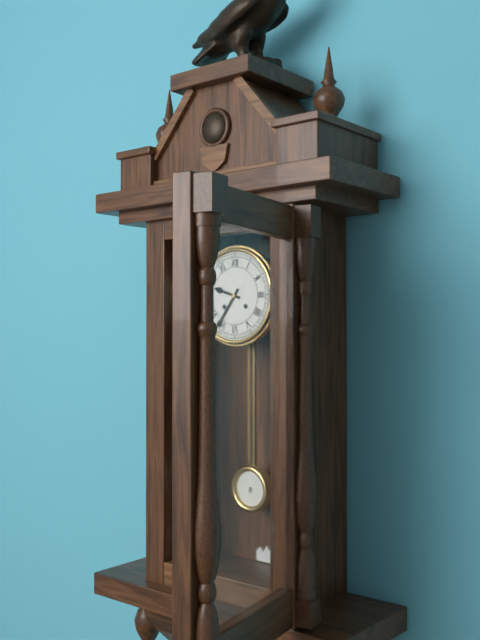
9:36
